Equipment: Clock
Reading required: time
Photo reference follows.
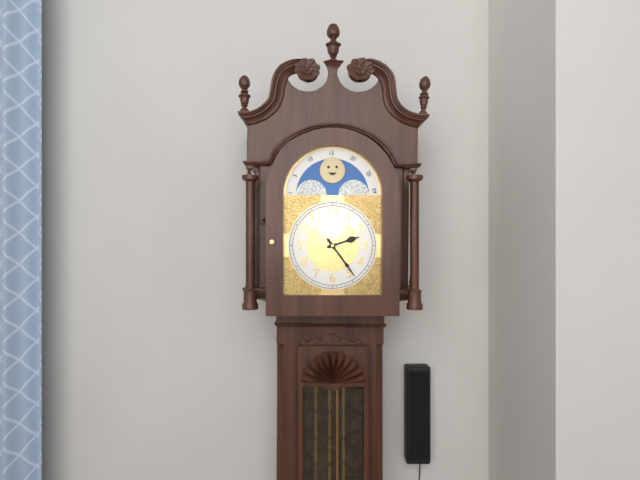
2:24
